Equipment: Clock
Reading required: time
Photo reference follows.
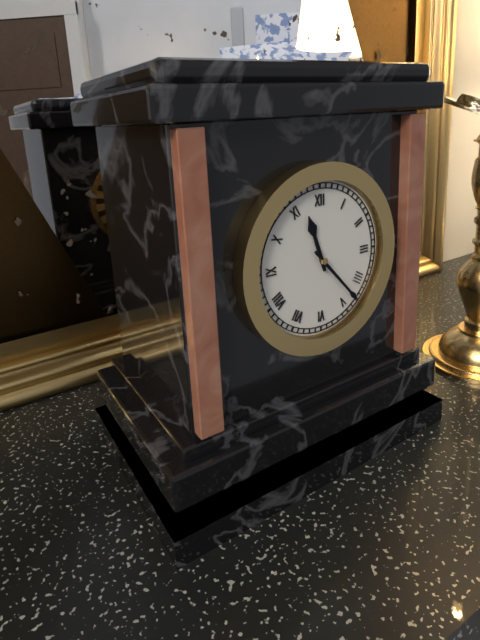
11:23
